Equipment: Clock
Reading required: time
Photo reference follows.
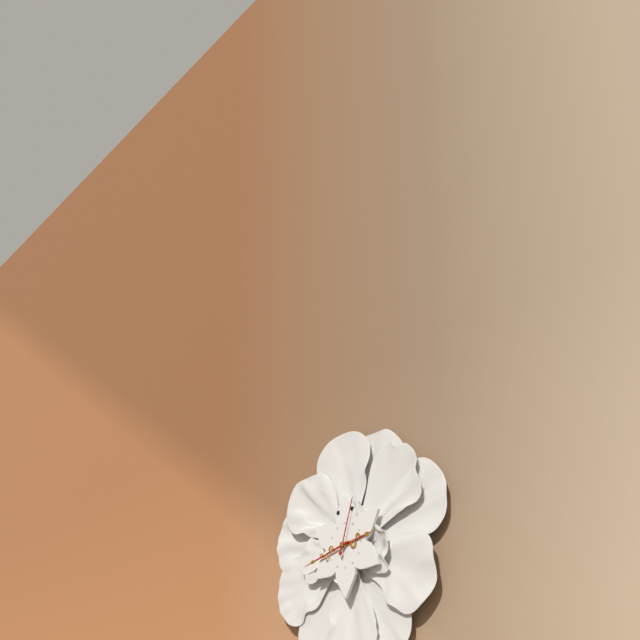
2:43:03
